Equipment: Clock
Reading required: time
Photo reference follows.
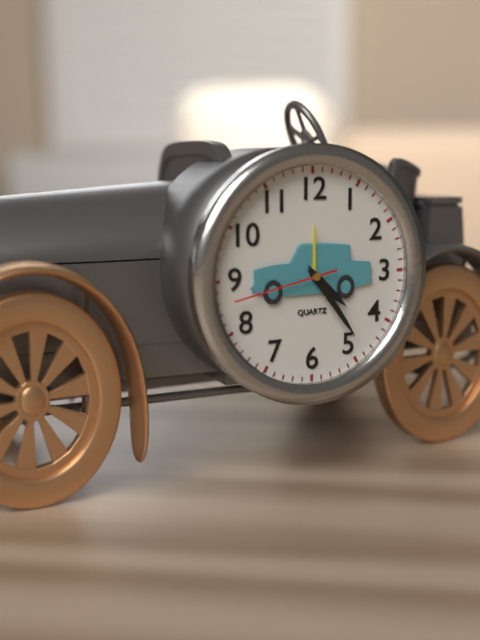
4:24:43
